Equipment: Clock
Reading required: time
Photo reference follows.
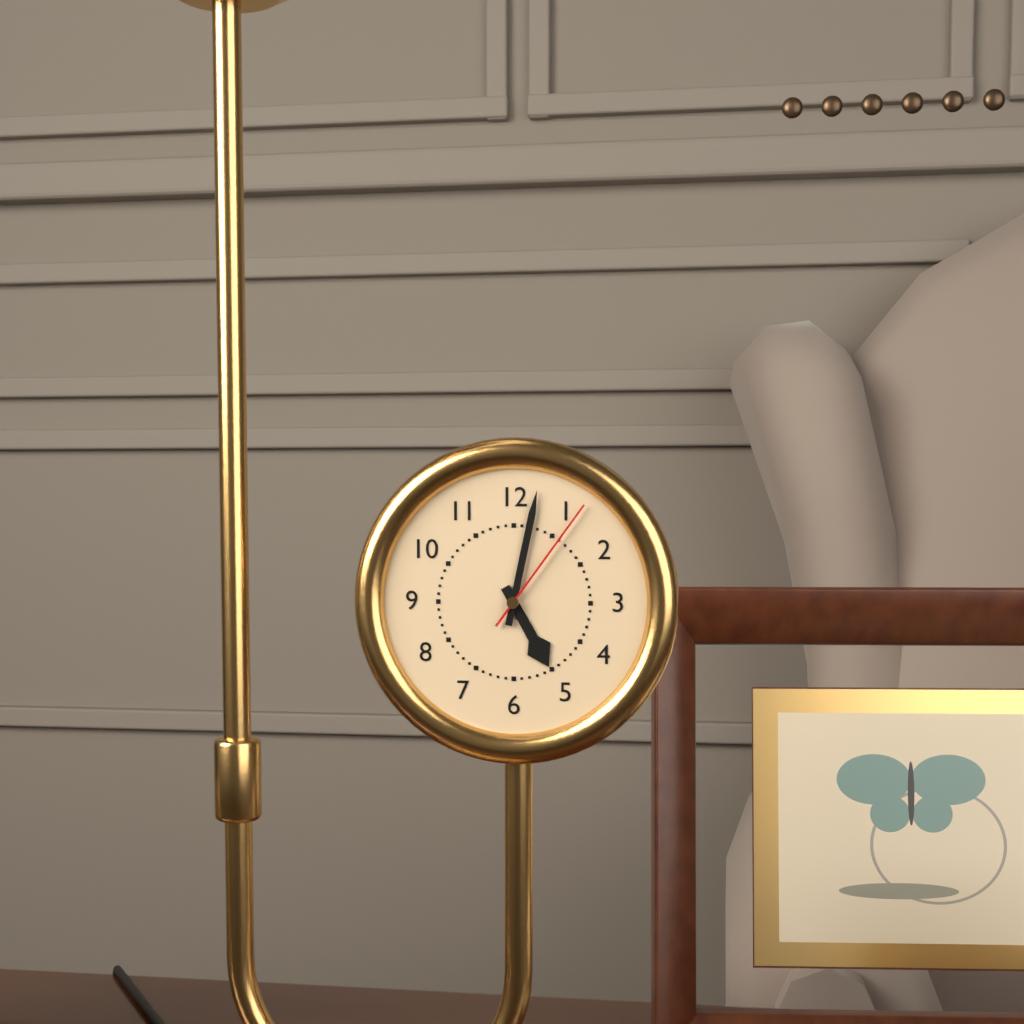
5:02:06
